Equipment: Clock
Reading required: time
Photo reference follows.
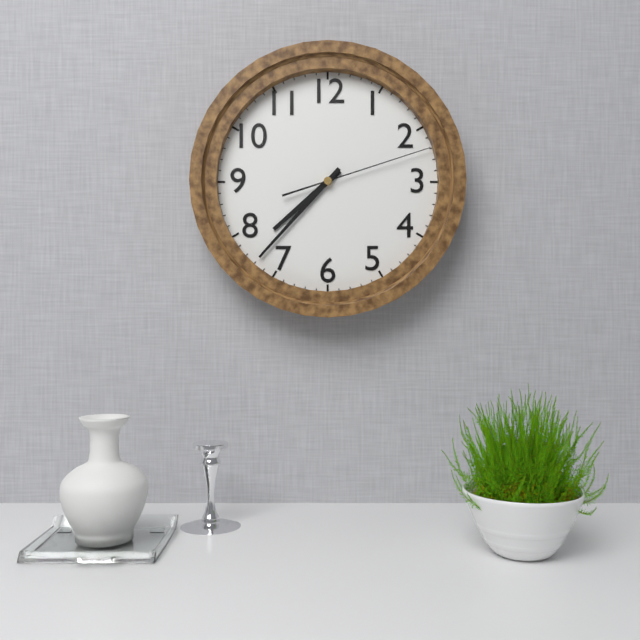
7:37:12
